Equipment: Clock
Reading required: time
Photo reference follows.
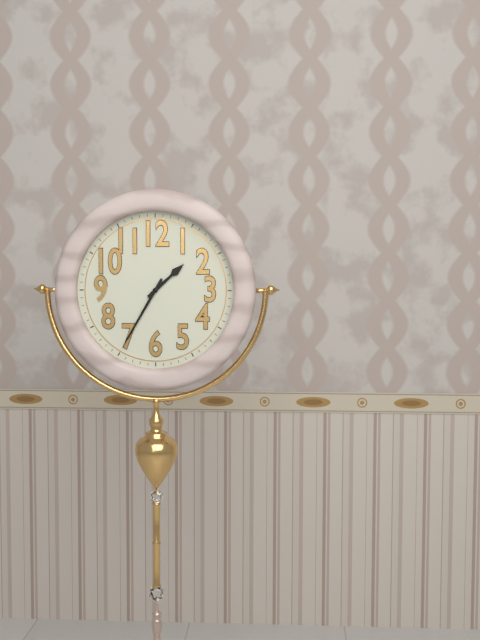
1:35
